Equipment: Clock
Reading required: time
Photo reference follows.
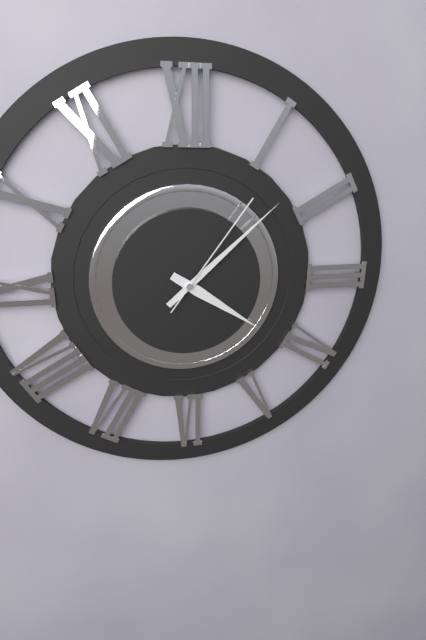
4:08:06
